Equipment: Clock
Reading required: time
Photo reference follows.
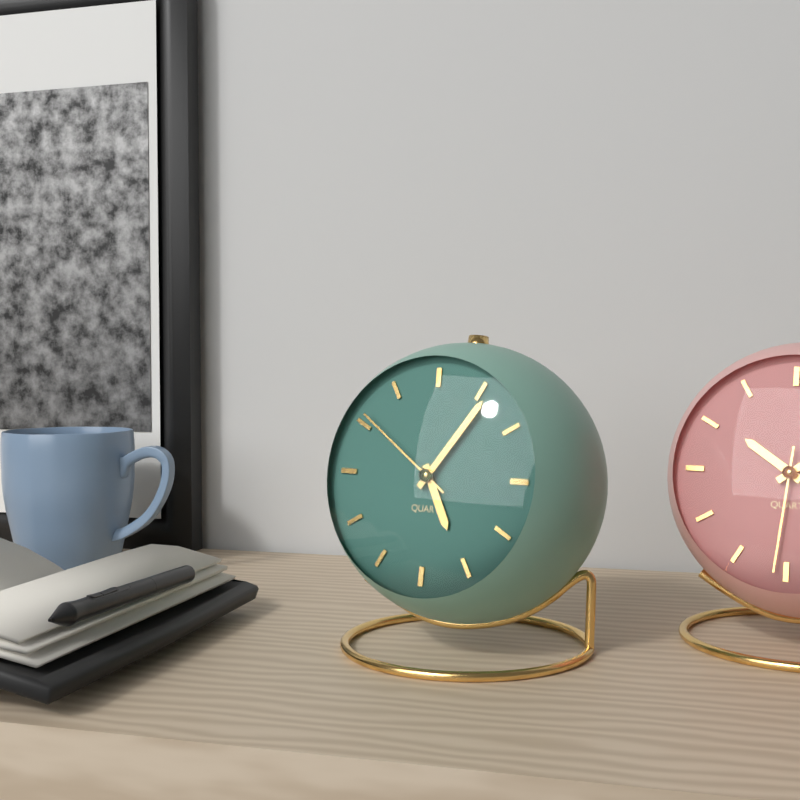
5:06:51
